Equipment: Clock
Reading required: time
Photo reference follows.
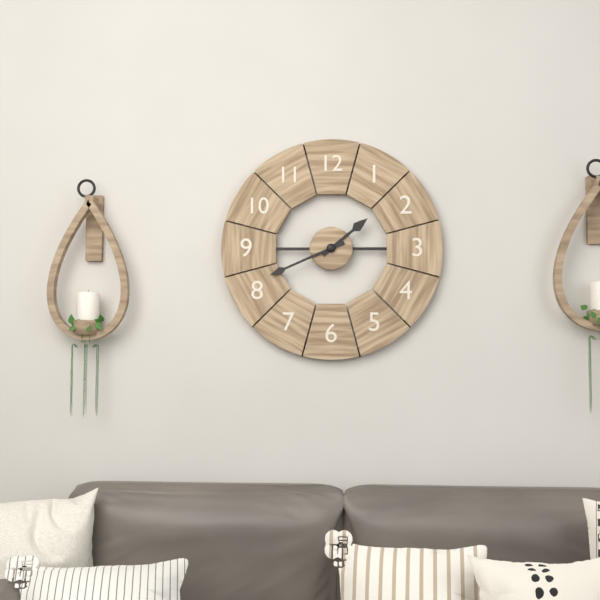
1:41
